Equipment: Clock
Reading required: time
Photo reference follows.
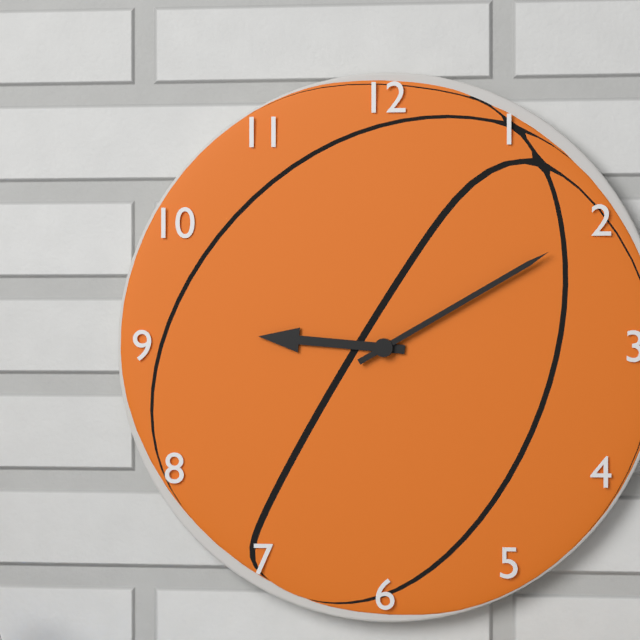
9:10
